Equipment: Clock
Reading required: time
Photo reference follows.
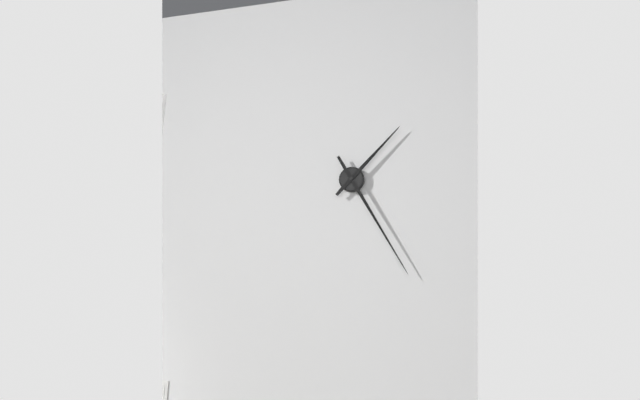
1:25
